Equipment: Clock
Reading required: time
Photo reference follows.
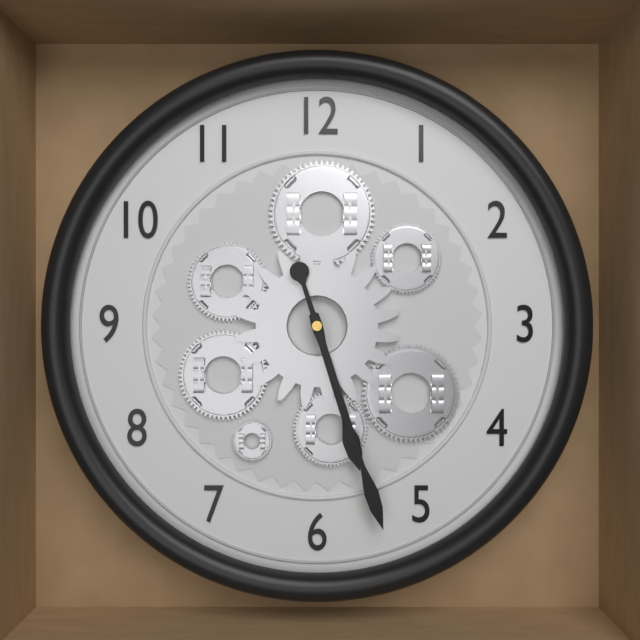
5:27
